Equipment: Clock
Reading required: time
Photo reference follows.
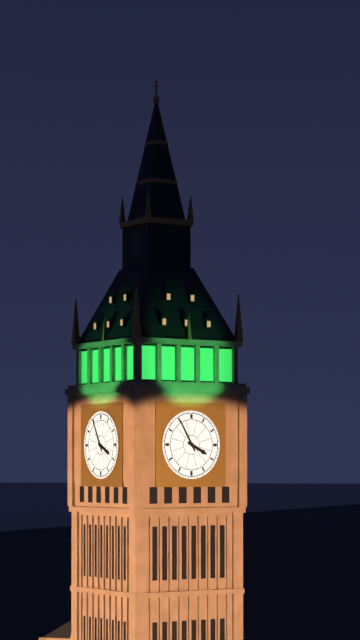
3:55
